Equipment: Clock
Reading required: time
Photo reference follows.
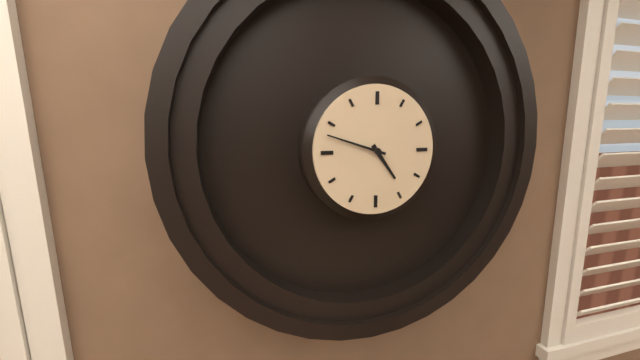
4:48
